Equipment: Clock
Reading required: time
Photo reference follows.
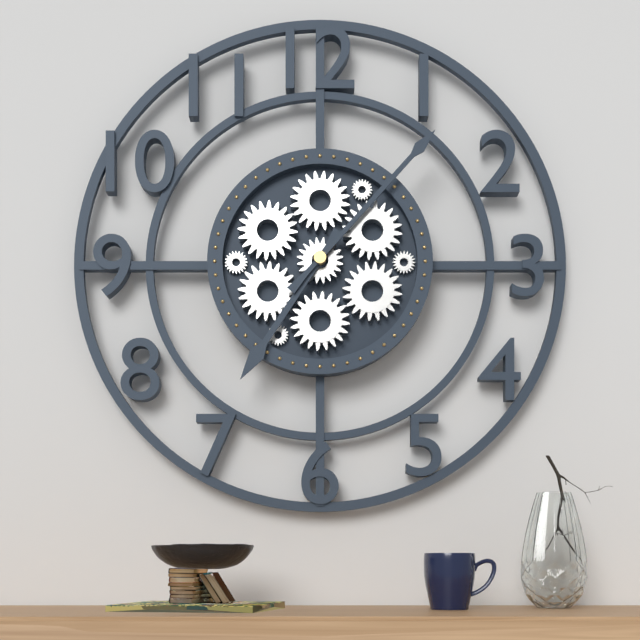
7:07
